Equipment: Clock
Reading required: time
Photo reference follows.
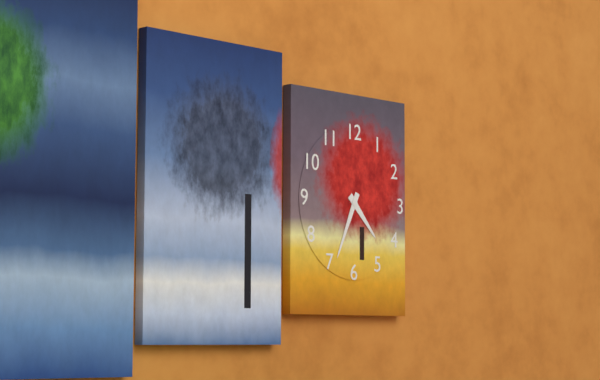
4:34
